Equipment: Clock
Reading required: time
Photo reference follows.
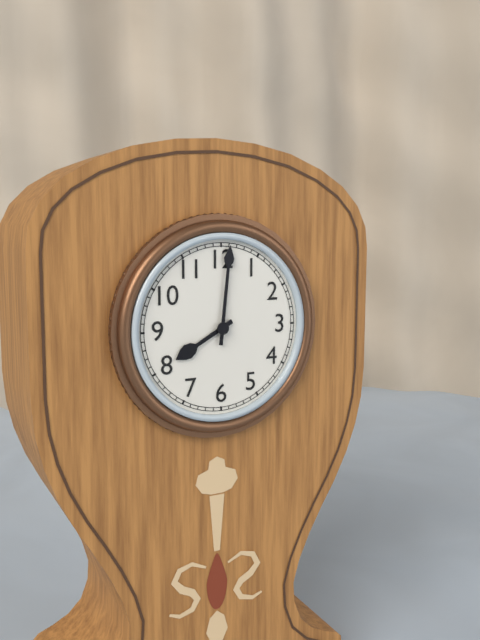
8:01
